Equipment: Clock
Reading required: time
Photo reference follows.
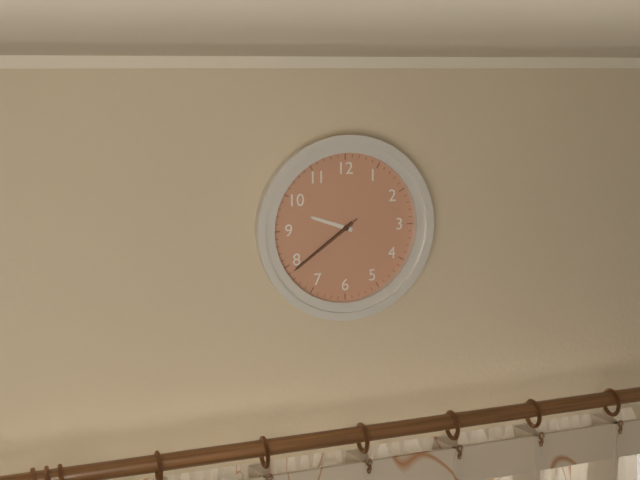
9:39:39
